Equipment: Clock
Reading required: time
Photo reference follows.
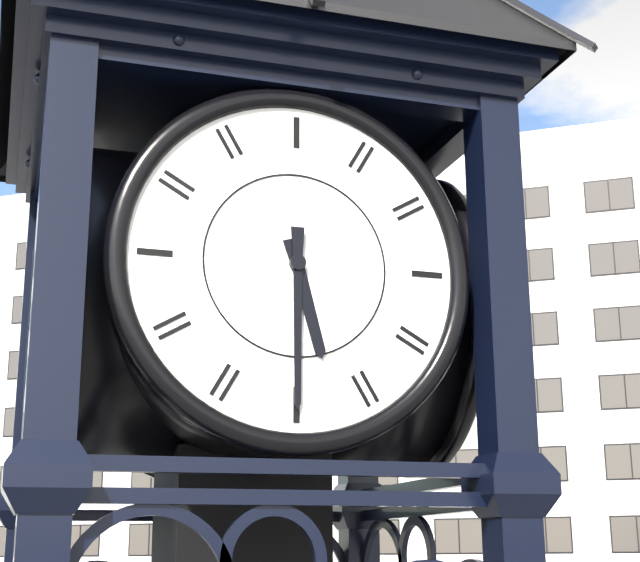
5:30
